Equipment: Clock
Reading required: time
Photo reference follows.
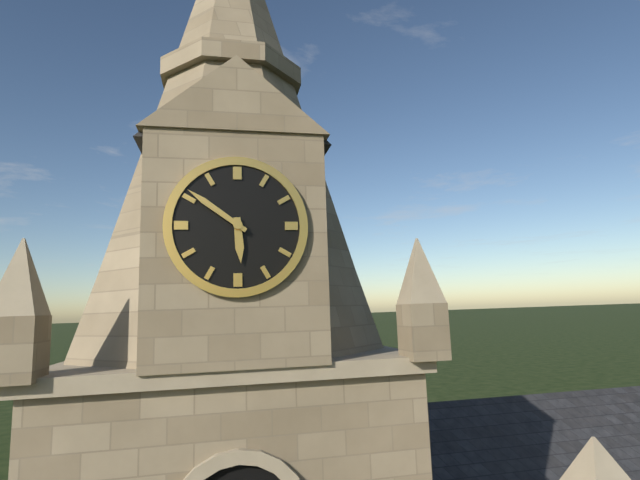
5:51
